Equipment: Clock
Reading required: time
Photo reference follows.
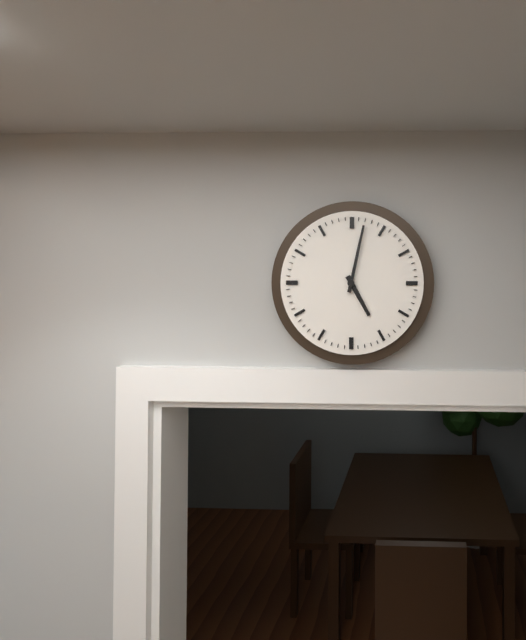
5:02
